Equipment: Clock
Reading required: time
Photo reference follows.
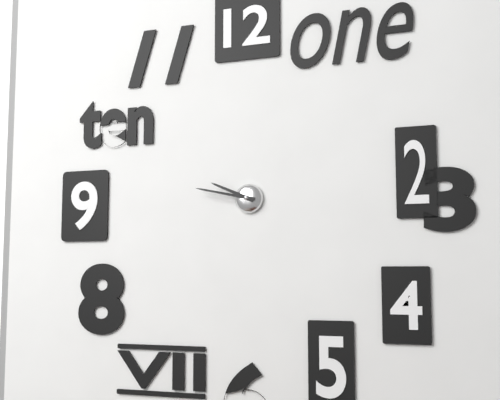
9:47
